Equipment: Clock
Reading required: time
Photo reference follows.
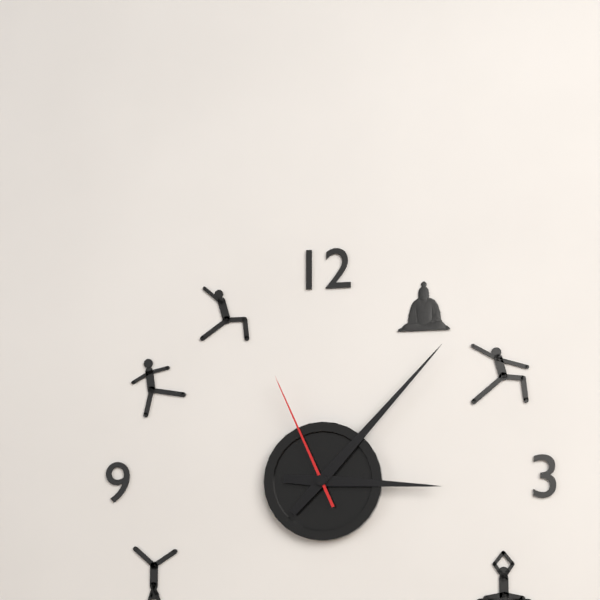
3:07:56
